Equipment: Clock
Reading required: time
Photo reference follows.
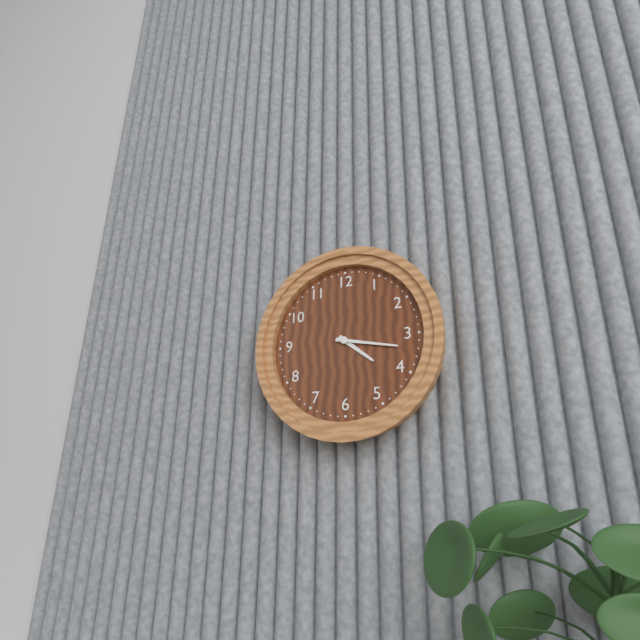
4:17
